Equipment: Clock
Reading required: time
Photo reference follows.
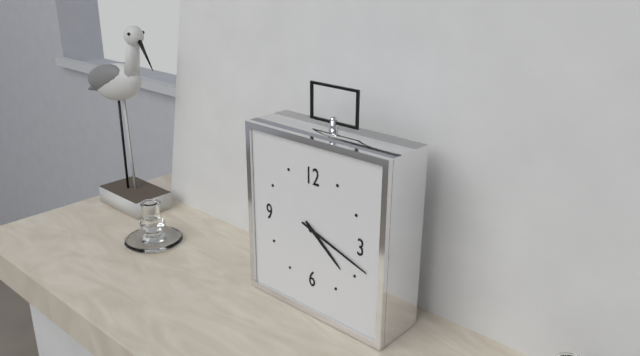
4:18
